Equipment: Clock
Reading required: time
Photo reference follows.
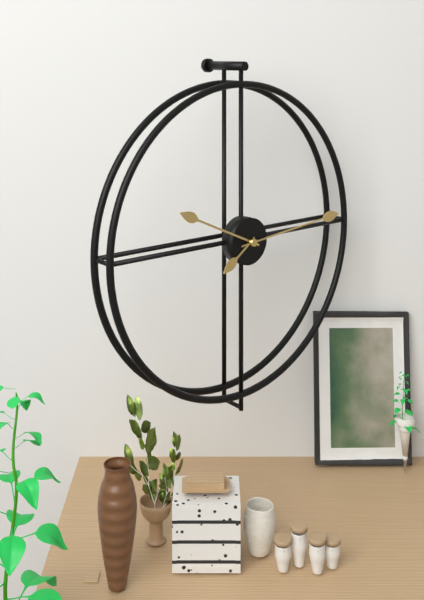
7:49:14
